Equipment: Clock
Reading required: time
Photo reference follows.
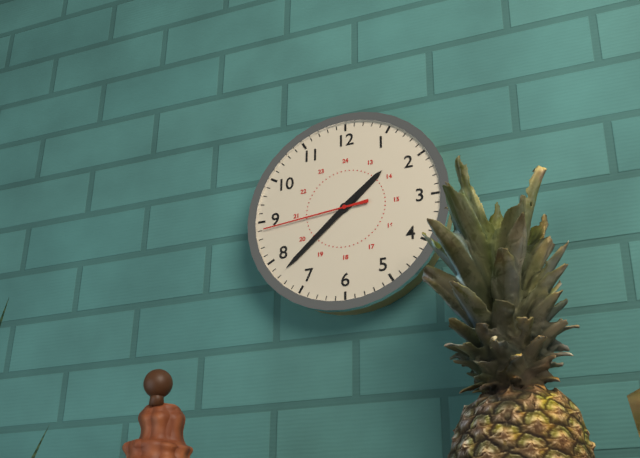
1:38:44
